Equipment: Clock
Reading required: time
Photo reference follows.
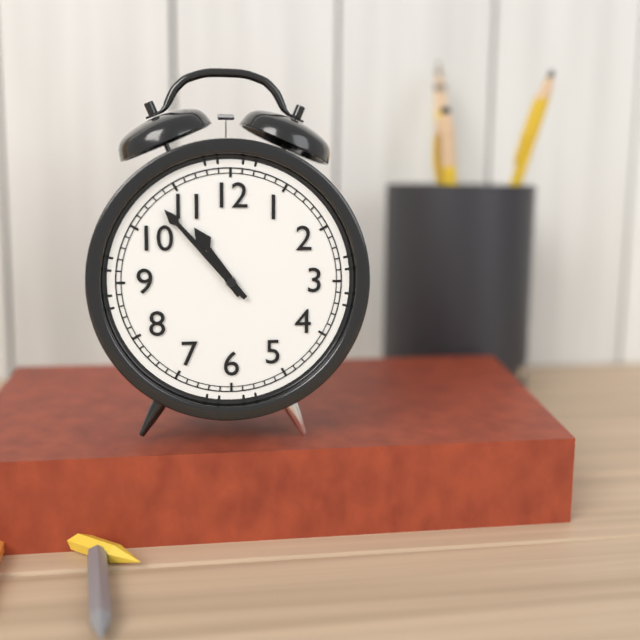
10:53
